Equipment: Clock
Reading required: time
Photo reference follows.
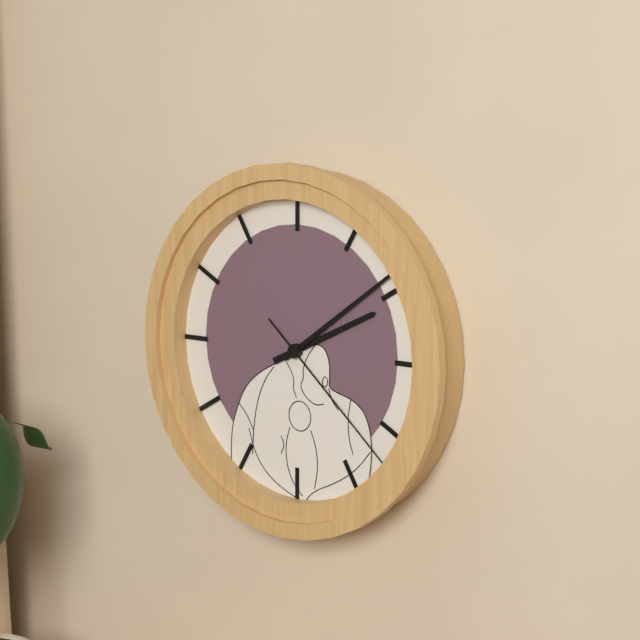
2:09:22
